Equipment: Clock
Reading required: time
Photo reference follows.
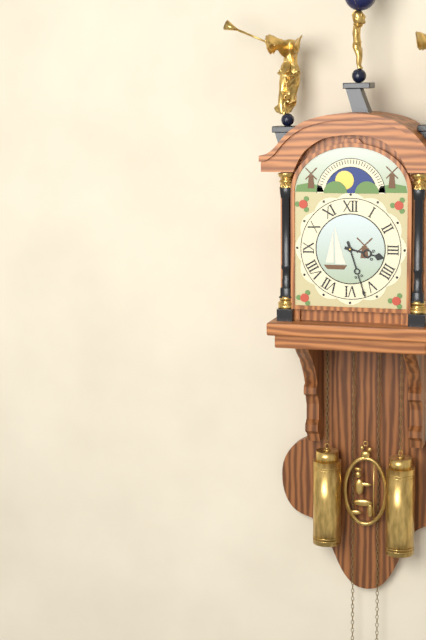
3:27
